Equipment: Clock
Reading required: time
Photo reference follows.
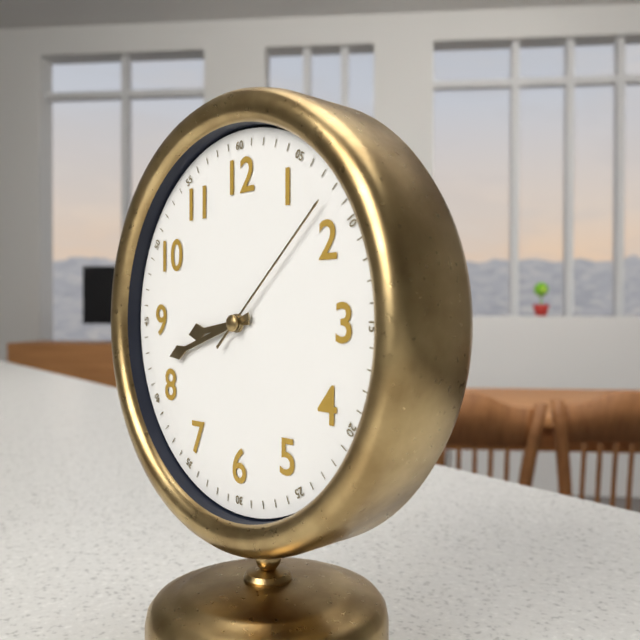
8:42:08
